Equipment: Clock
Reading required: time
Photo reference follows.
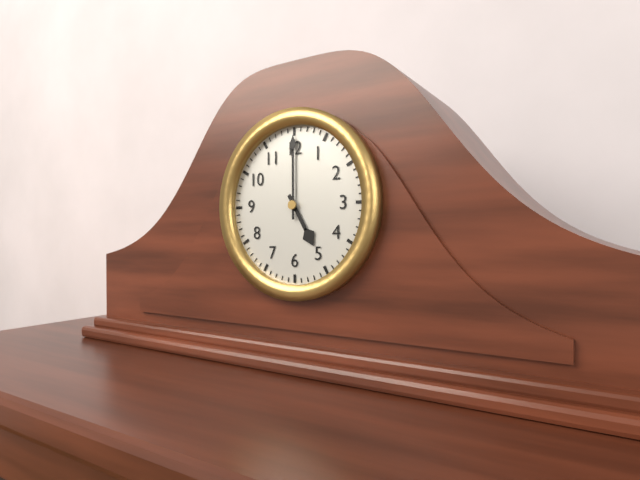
5:00
